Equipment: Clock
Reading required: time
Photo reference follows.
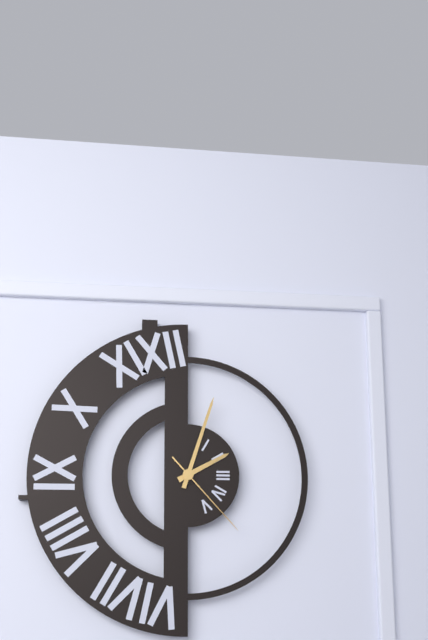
2:03:23
